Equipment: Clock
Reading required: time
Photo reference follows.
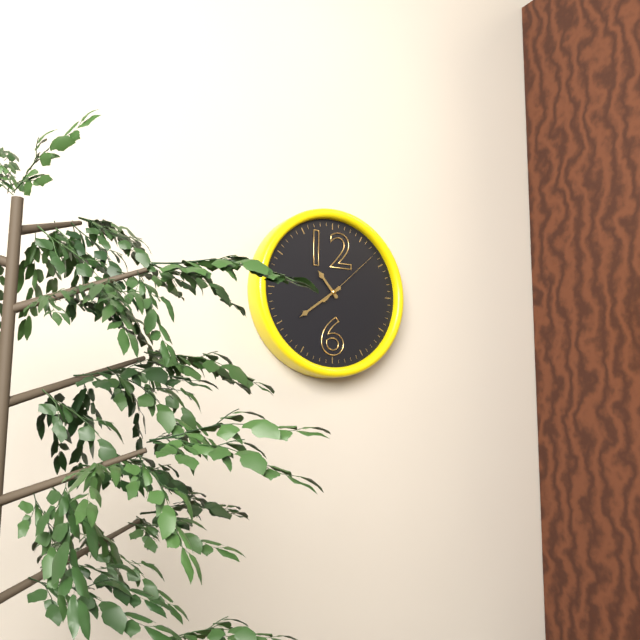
10:39:08
